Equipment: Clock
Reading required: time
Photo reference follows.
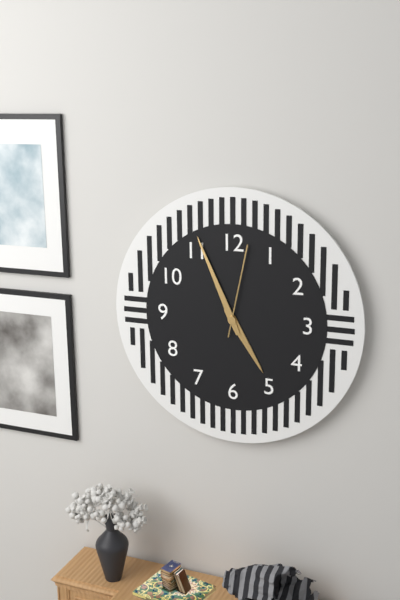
4:56:02
